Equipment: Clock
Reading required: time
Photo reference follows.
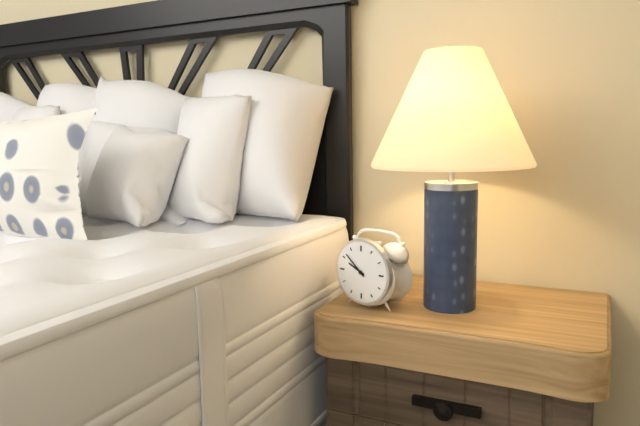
9:52
